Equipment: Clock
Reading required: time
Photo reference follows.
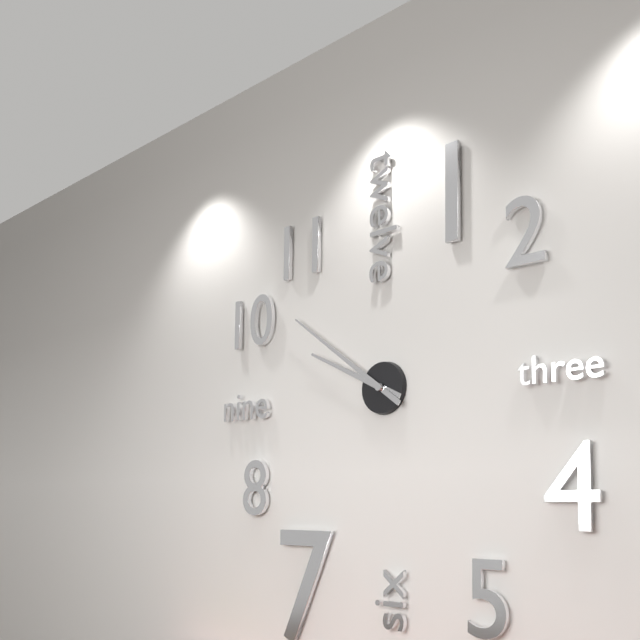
9:51
